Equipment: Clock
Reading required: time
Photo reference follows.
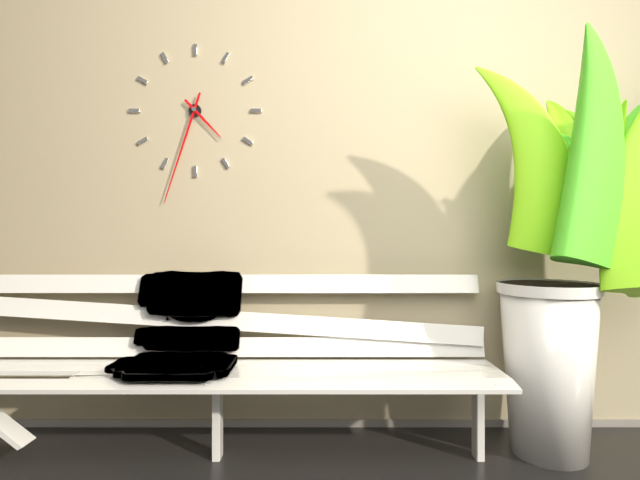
4:33
